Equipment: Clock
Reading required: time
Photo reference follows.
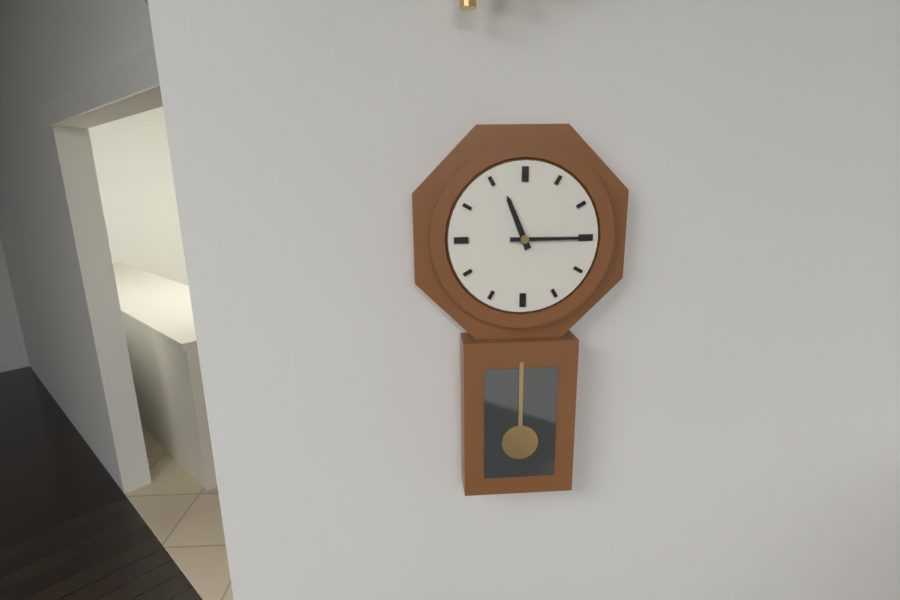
11:15
